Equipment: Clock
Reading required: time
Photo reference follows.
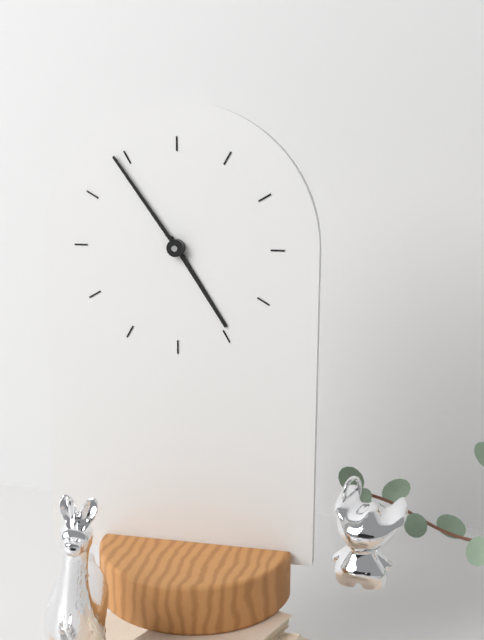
4:54
